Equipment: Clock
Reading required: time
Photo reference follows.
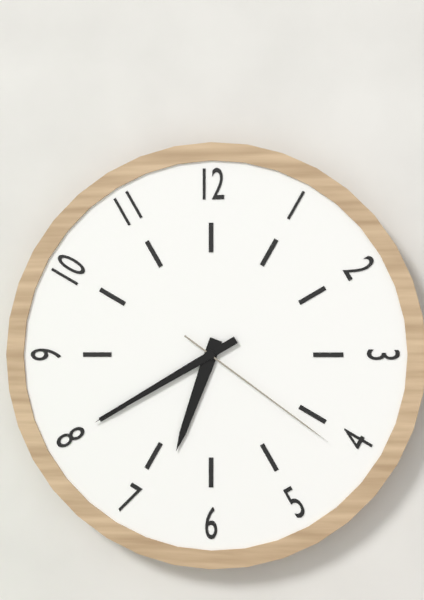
6:40:21
